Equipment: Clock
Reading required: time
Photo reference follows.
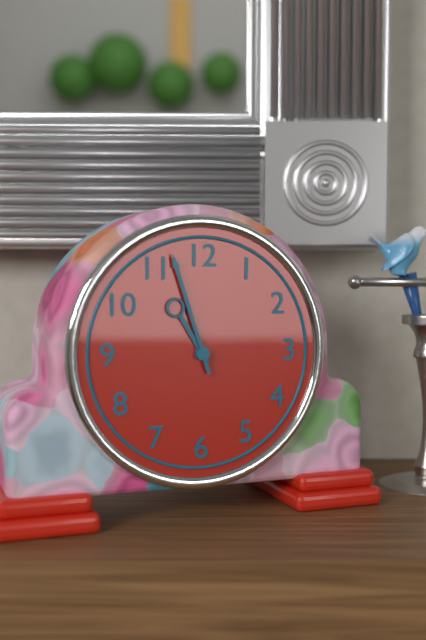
10:57
